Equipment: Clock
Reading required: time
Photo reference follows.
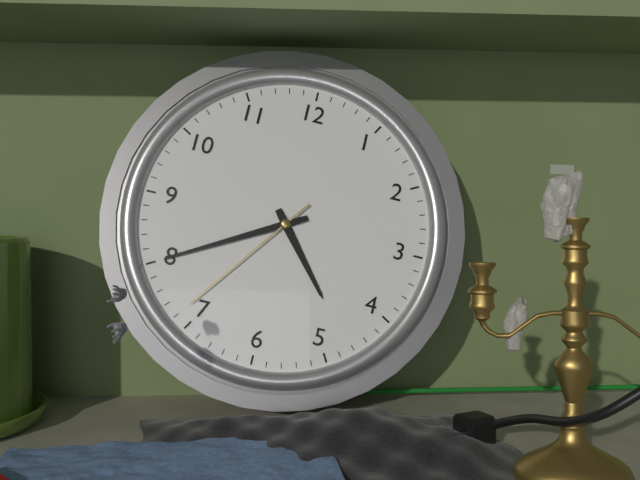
4:40:36
